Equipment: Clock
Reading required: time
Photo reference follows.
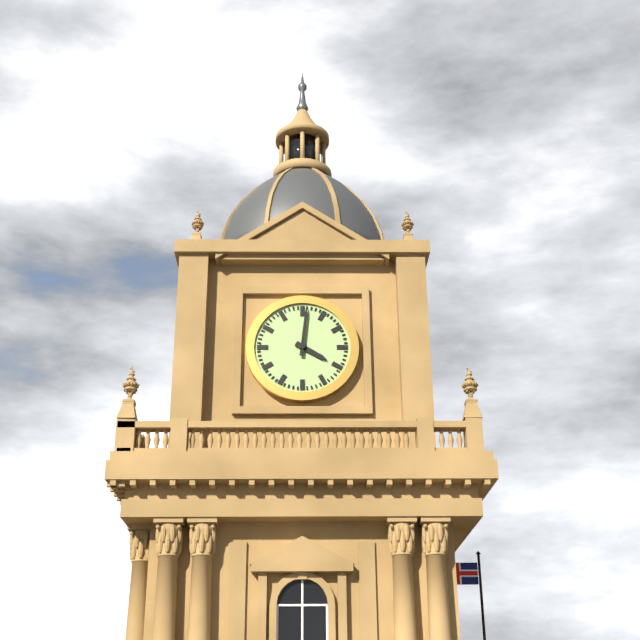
4:01
